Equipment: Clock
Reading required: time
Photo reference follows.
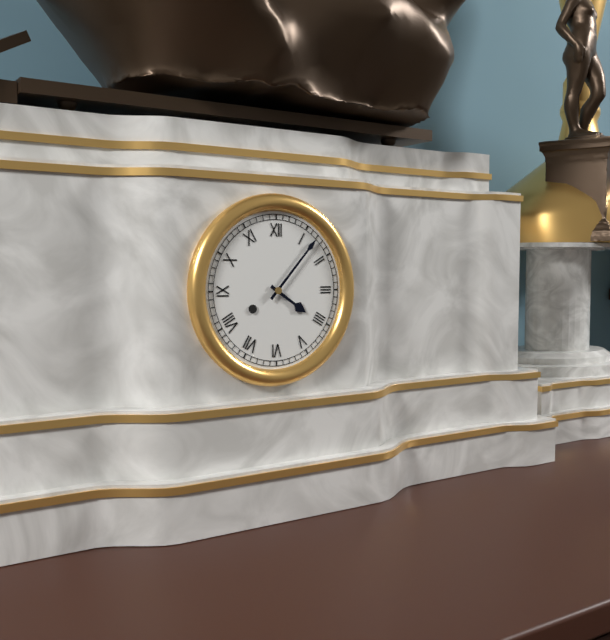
4:07
